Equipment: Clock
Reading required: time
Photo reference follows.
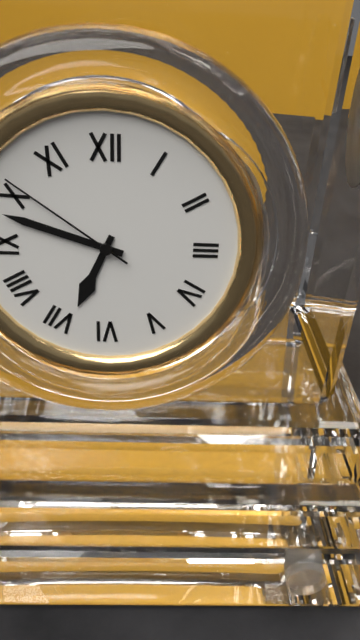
6:48:51
